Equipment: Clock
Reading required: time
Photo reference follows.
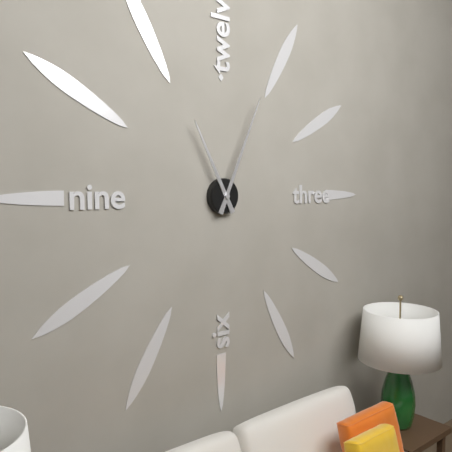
11:04
